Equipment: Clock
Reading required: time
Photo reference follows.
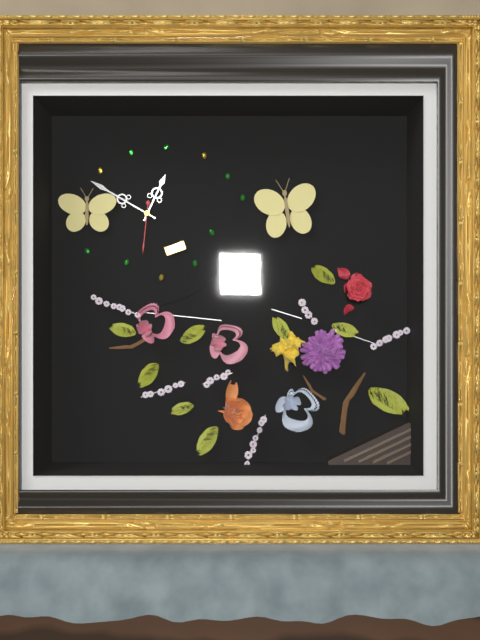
12:50:31
